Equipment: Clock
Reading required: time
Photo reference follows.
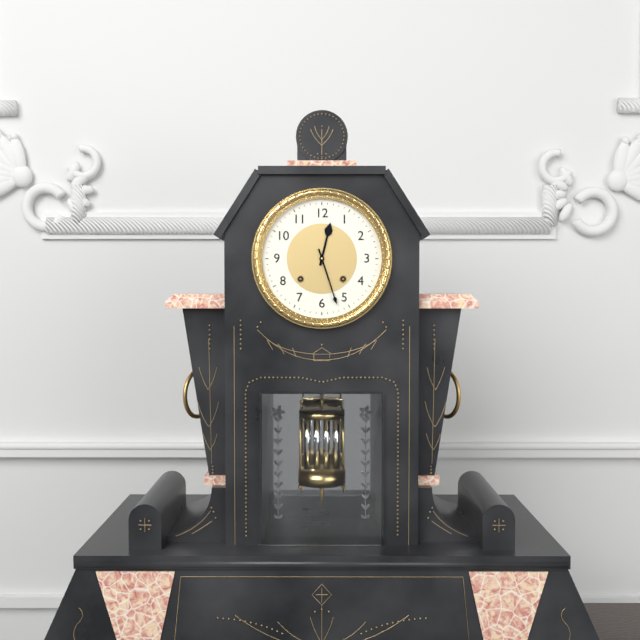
12:27
